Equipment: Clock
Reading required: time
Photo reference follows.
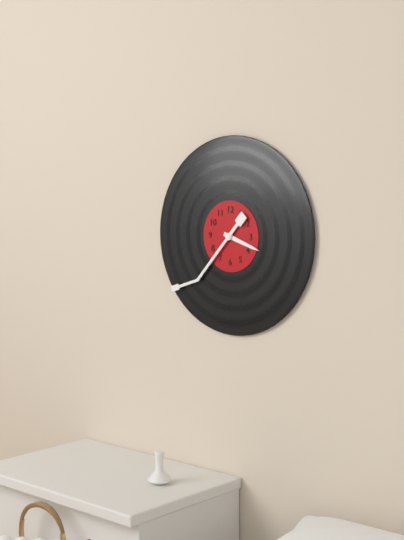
3:37
